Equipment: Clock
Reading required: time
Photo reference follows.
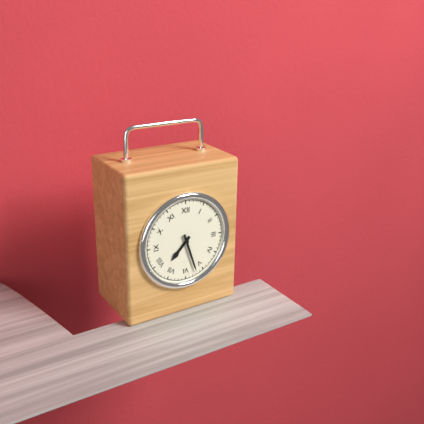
7:27
